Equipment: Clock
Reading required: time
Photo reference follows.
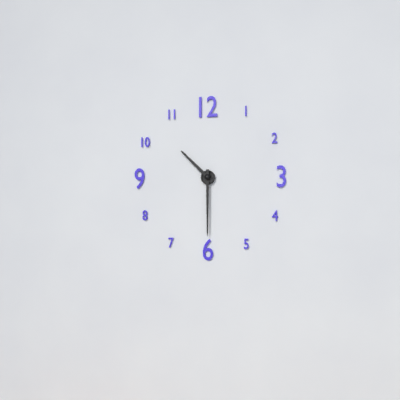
10:30
